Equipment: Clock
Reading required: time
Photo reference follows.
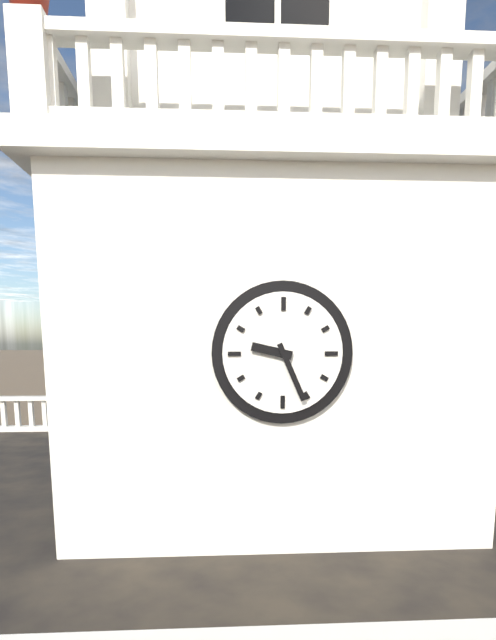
9:26
